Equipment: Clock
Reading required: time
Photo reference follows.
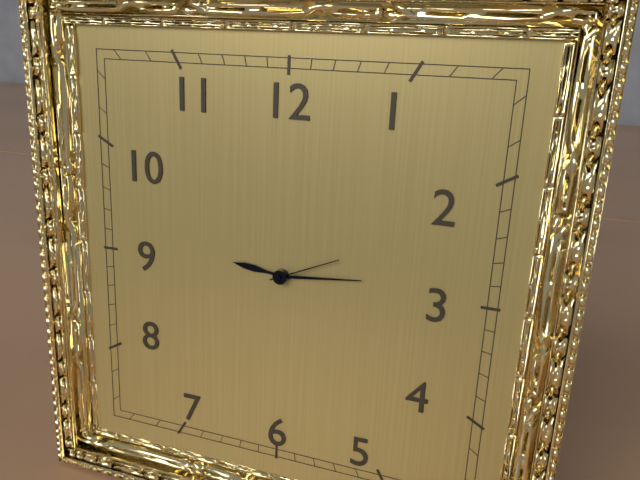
9:14:11
